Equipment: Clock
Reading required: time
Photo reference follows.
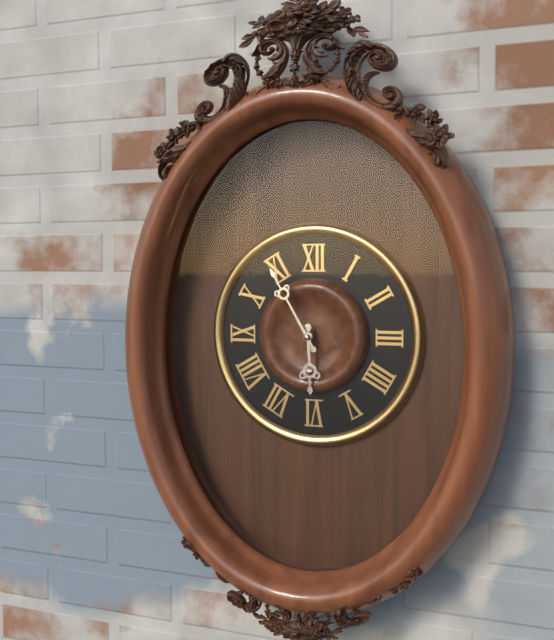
5:55
